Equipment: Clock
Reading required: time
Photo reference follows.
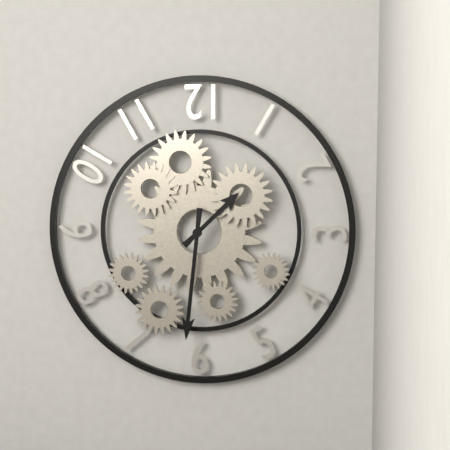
1:31
